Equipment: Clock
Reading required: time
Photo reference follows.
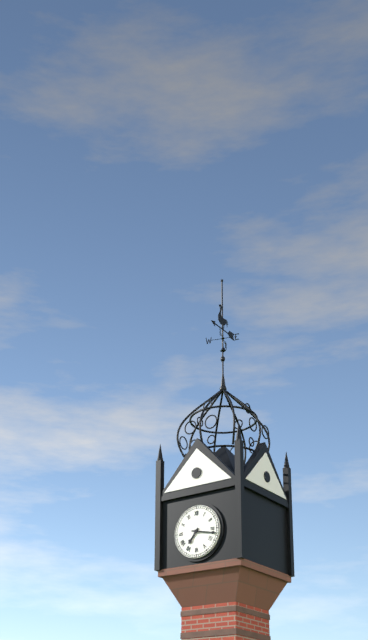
7:17
